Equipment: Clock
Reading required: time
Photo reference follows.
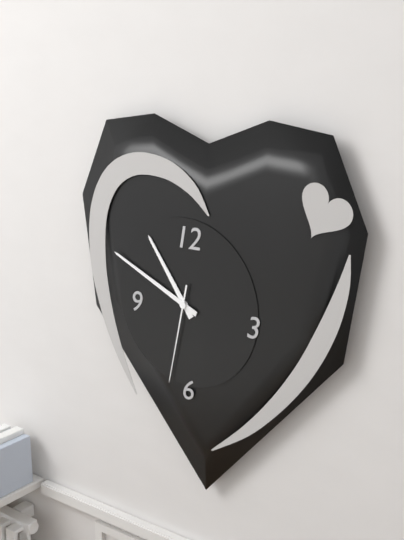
10:49:32
